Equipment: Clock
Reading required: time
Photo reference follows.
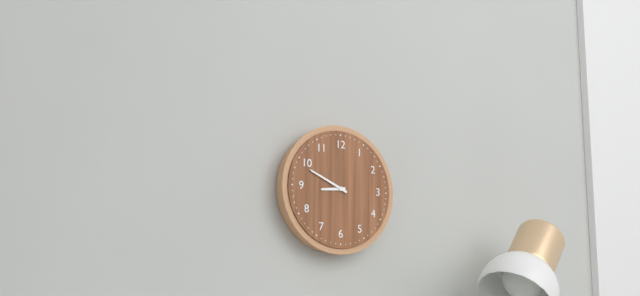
8:49
